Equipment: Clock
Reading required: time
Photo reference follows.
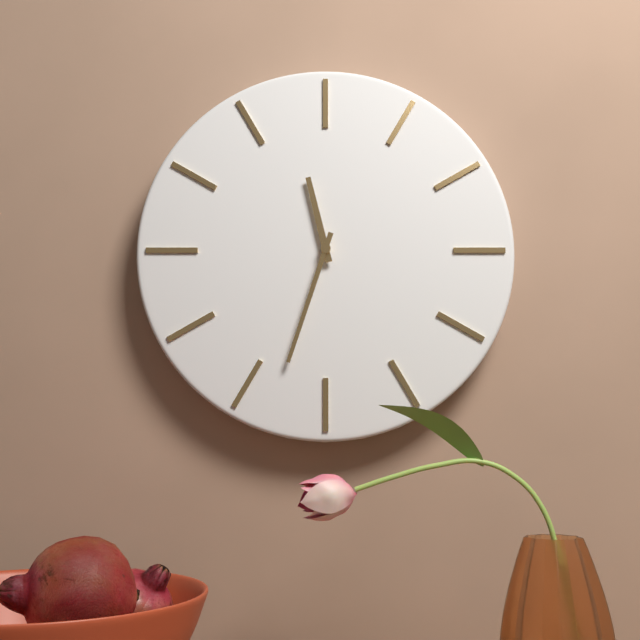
11:33
